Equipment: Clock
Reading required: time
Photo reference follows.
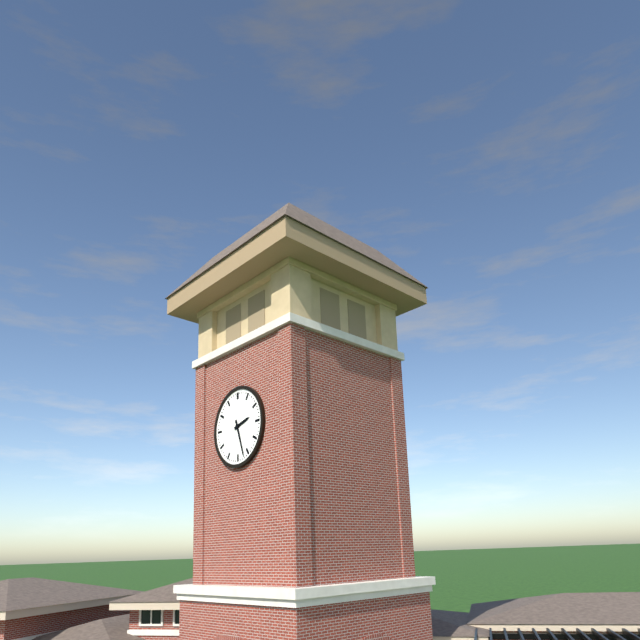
2:27
